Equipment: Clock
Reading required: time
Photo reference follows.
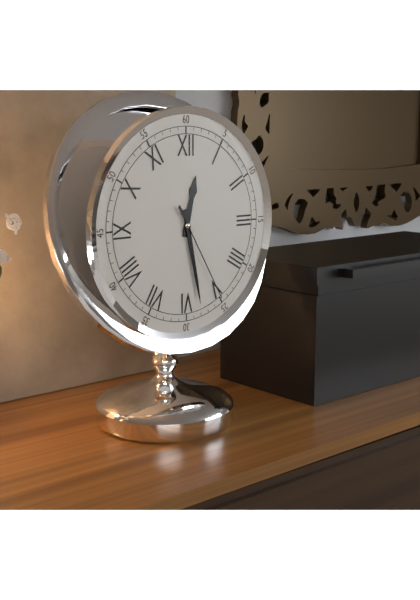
12:28:25
